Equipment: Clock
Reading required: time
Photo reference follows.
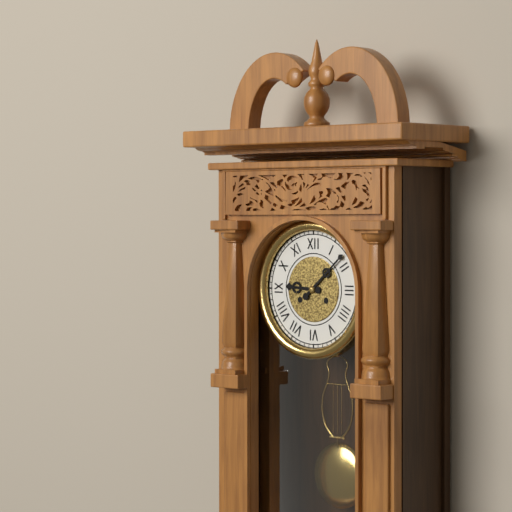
9:08
